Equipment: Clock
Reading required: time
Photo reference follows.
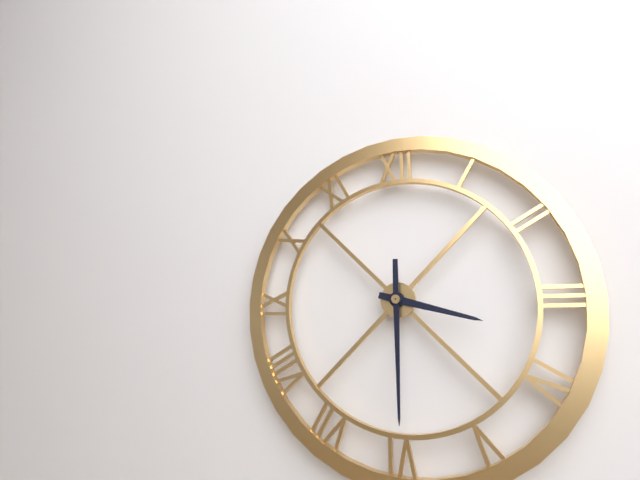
3:30
